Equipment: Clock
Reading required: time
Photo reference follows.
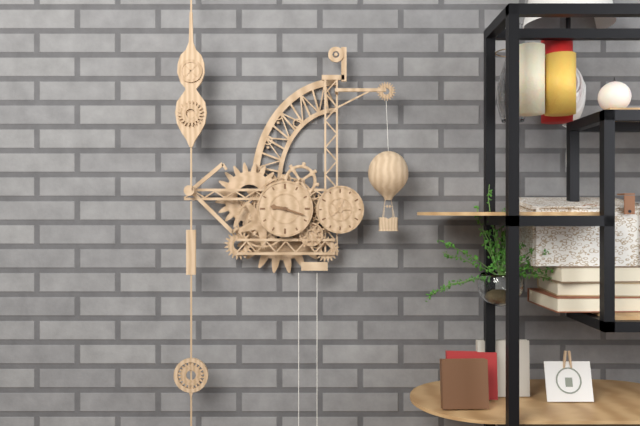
9:18
